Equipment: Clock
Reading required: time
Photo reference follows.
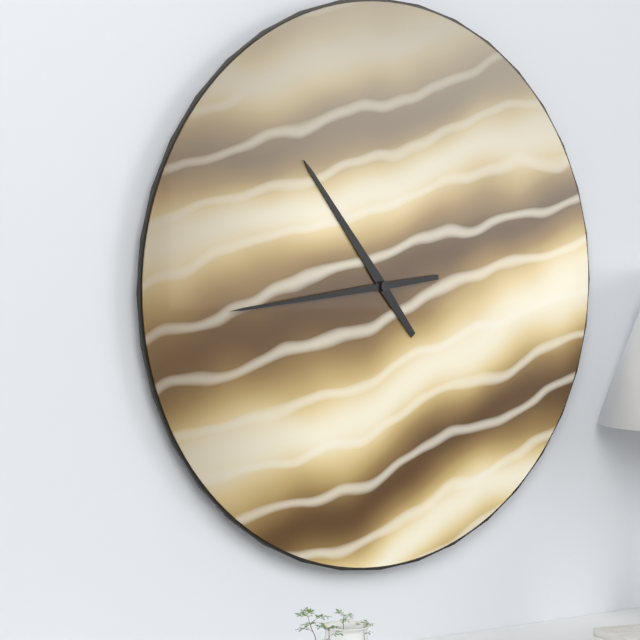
10:44
